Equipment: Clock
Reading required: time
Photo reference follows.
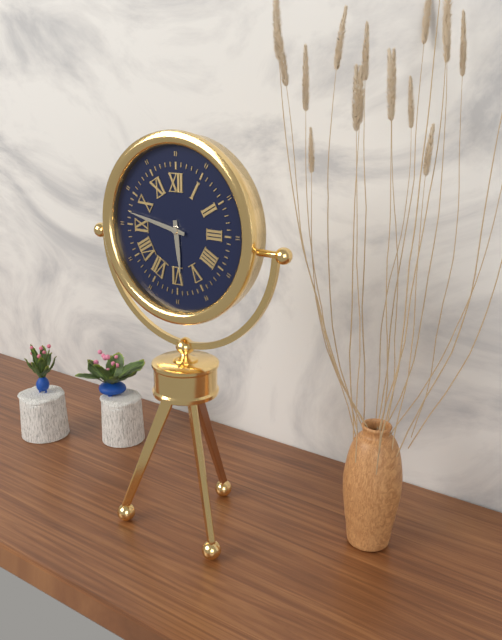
5:47
